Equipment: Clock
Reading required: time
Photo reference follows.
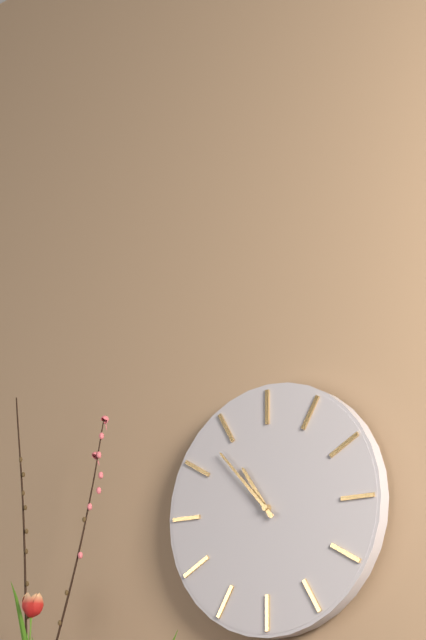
10:53
